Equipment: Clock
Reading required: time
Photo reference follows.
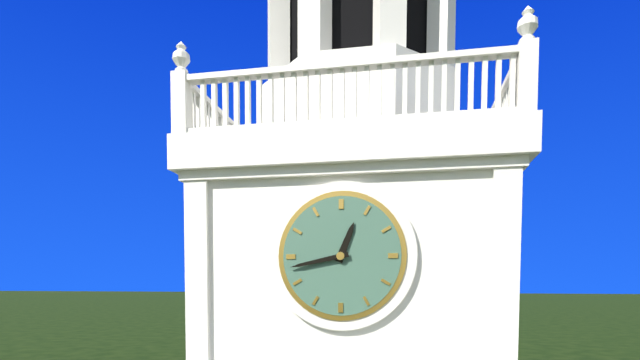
12:43
